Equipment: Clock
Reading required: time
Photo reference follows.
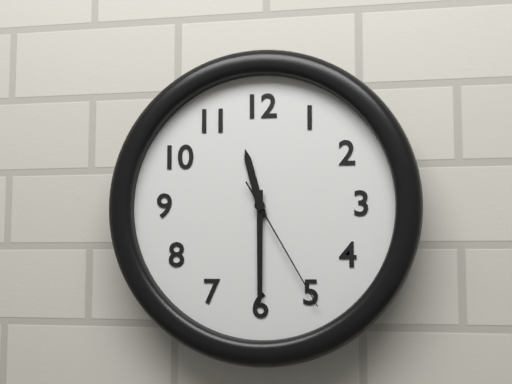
11:30:25
